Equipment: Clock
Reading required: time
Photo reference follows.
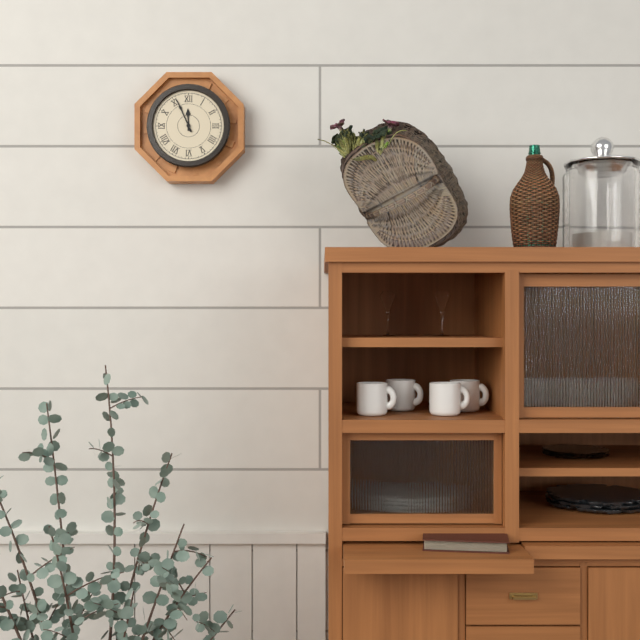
11:56
